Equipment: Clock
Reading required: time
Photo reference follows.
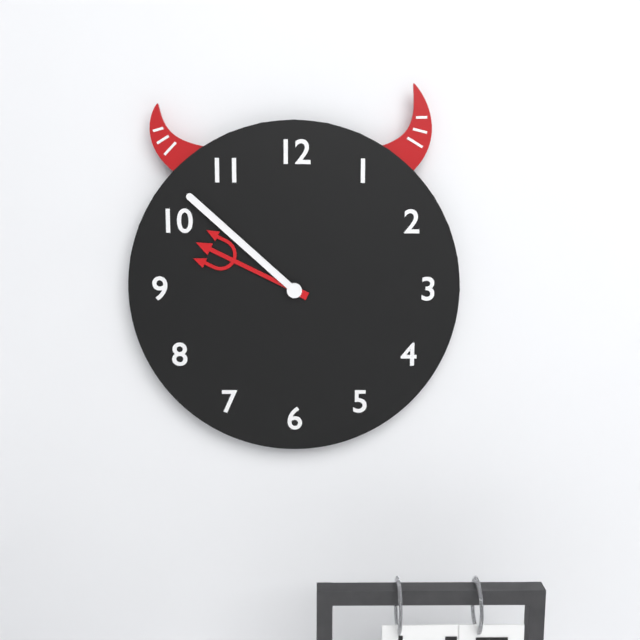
9:52
